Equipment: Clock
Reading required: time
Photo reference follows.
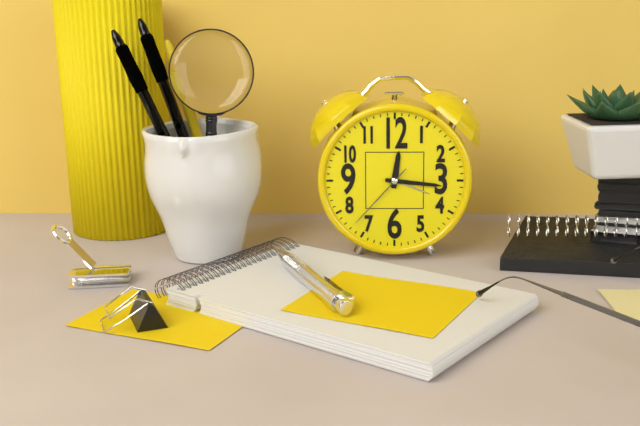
12:16:37
